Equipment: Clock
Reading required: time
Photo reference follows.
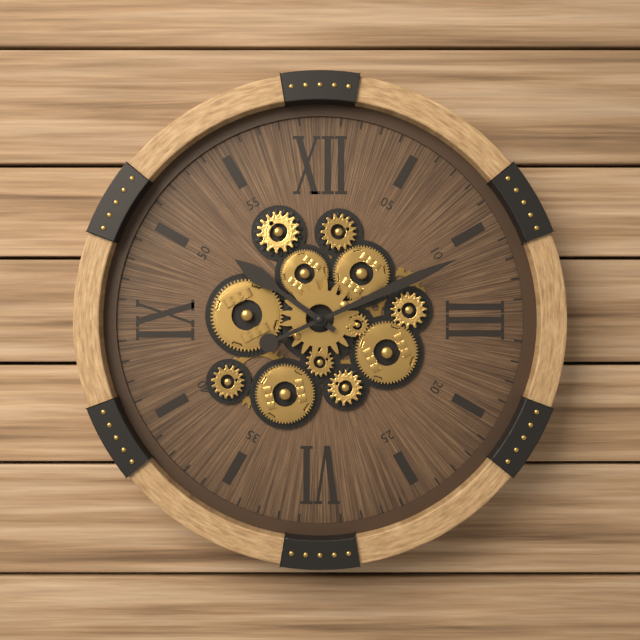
10:11
